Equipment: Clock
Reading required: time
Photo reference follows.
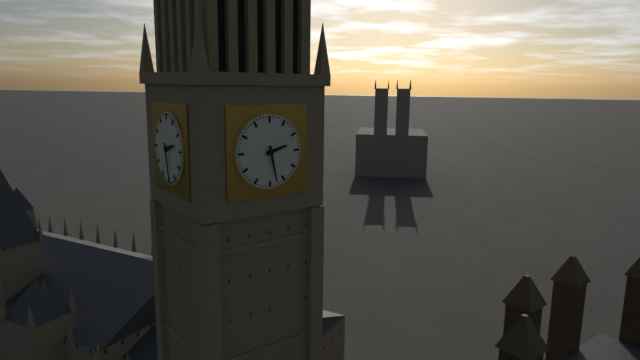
2:28
